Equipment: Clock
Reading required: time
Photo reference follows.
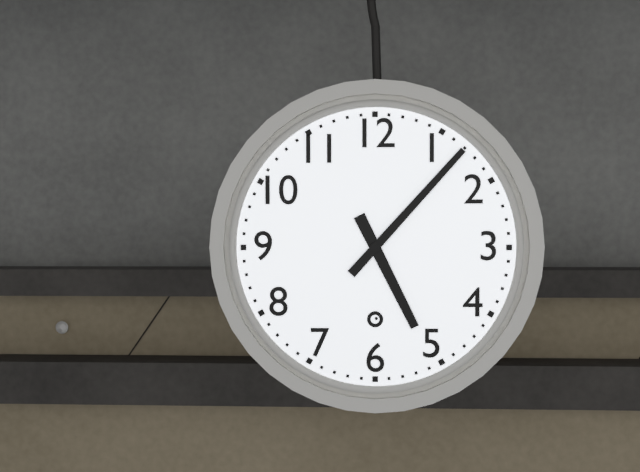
5:07
